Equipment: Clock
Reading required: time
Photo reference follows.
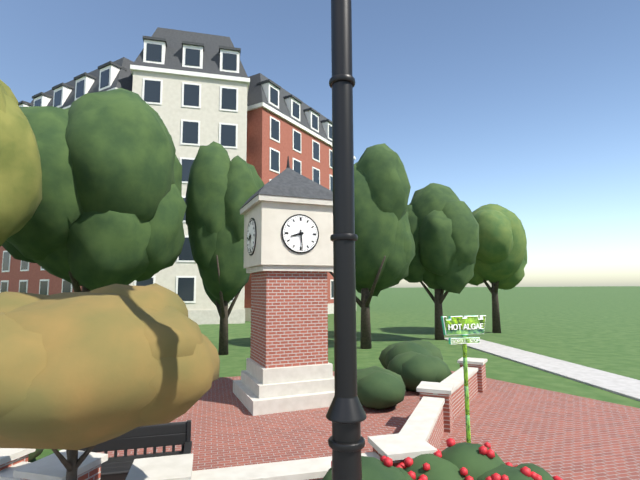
8:29
